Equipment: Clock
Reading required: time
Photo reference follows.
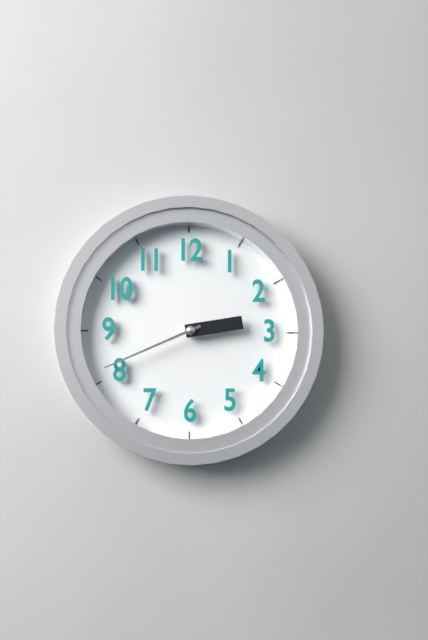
2:41
